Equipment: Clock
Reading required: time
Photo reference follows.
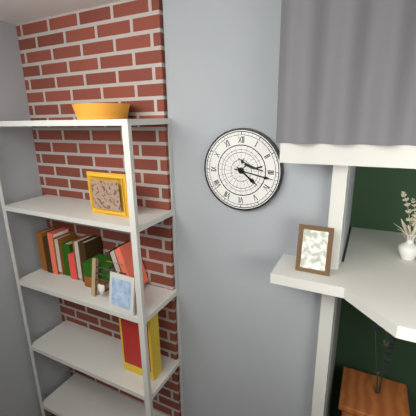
4:17
